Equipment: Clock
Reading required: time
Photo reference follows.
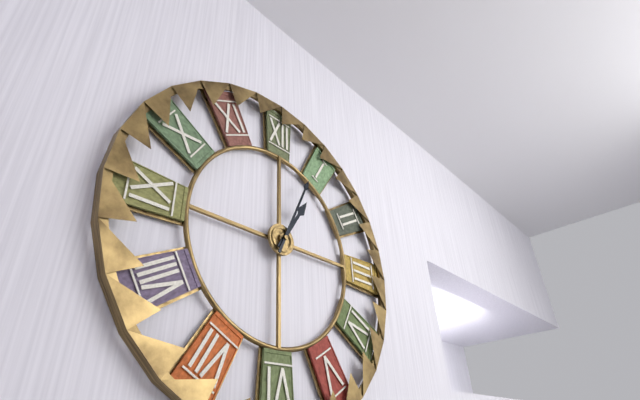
1:04
